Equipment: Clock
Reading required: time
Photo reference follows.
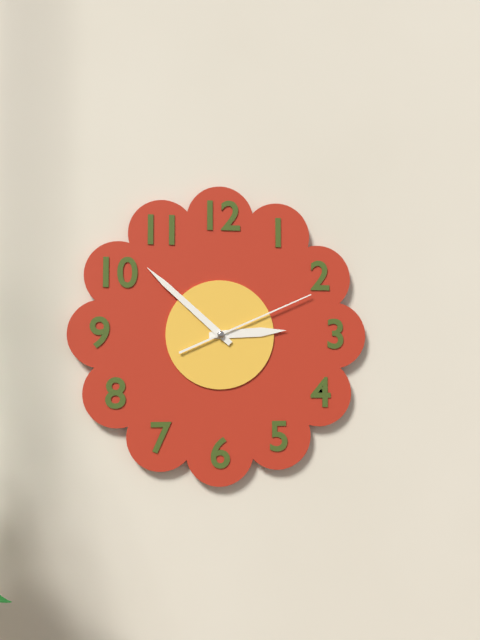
2:52:11
